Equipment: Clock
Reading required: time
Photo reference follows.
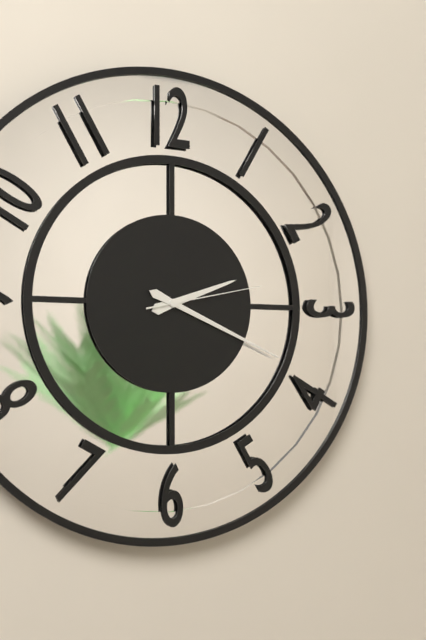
2:19:13
